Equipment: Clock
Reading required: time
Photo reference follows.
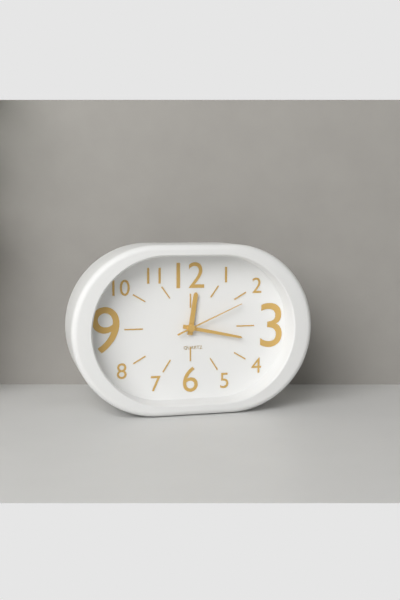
12:17:11
